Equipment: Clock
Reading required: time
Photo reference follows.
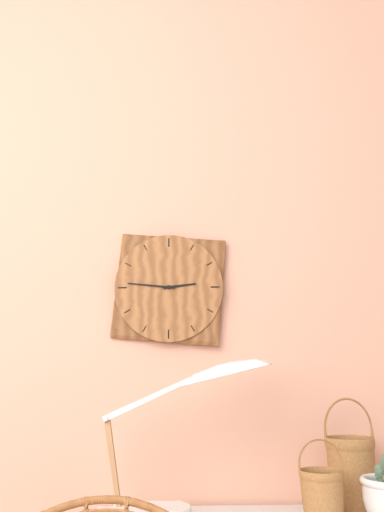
2:46
